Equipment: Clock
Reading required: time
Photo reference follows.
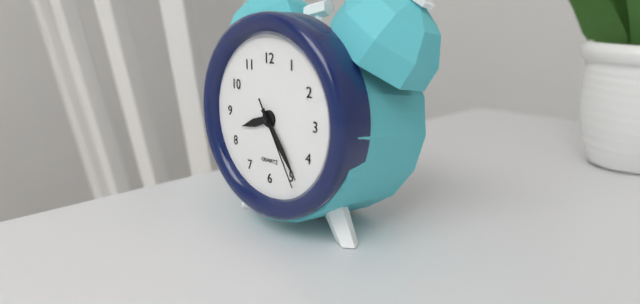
8:24:25
